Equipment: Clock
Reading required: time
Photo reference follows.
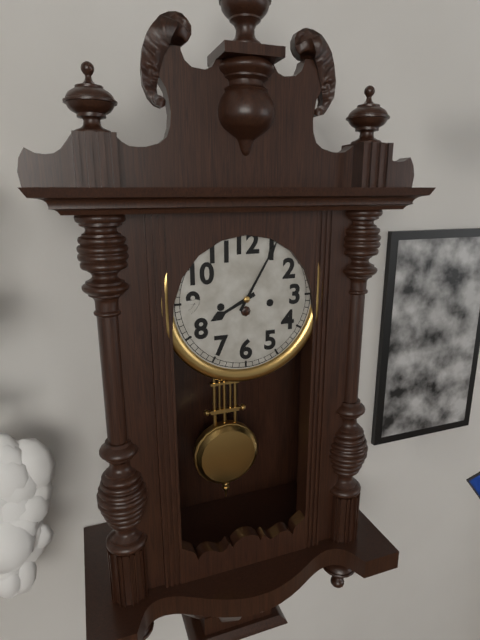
8:05
